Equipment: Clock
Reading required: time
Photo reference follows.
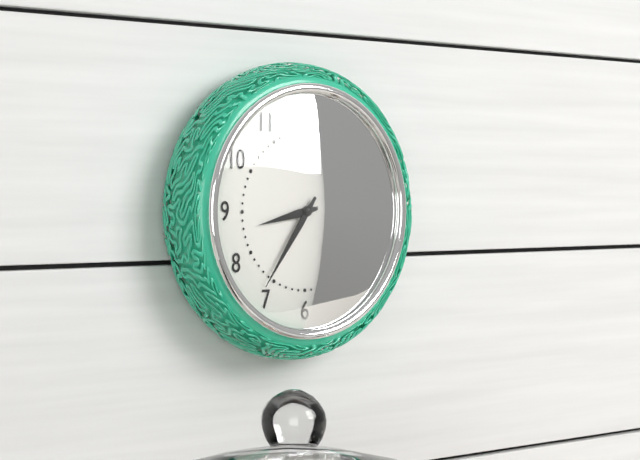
8:36
